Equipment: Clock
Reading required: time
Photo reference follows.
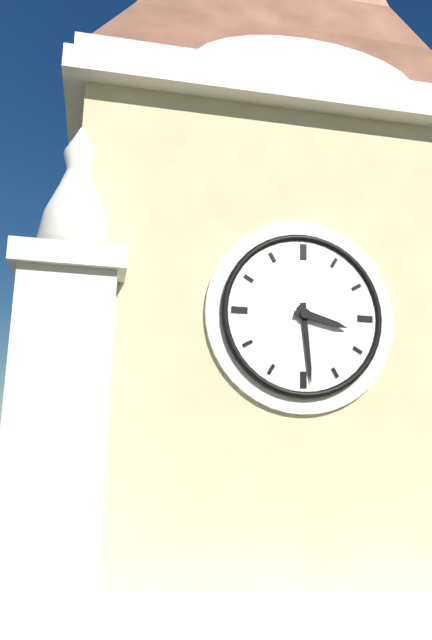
3:29
